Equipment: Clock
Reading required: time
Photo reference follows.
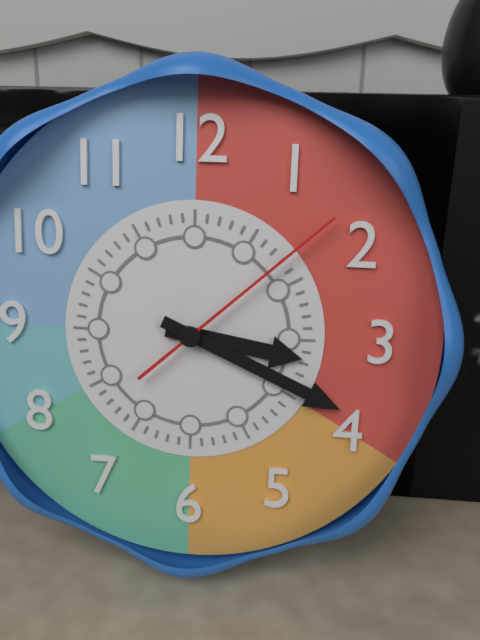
3:19:08
